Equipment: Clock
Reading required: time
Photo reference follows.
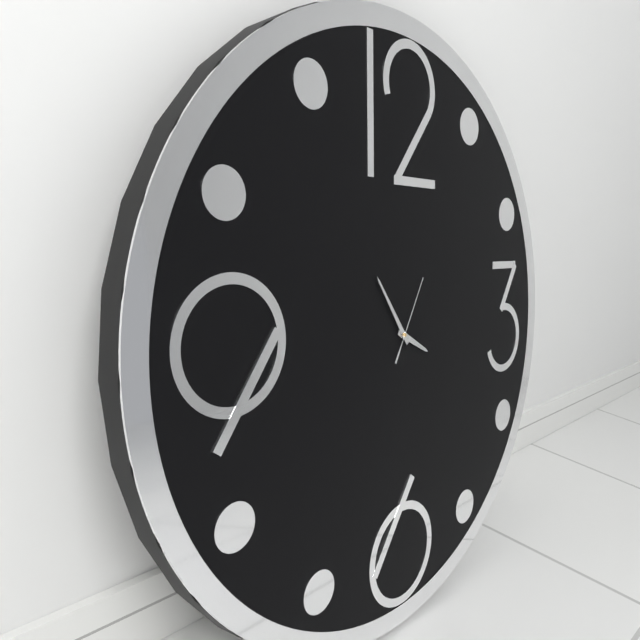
3:54:05
